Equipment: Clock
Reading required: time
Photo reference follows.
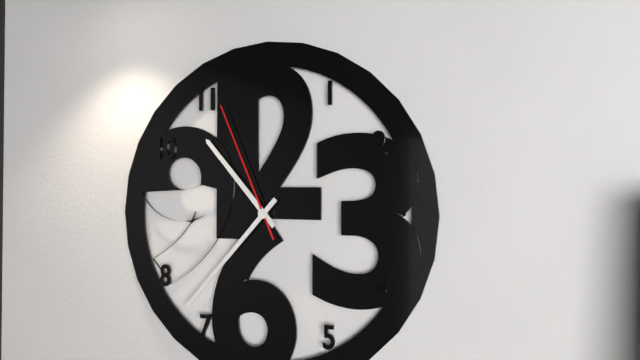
10:37:56
